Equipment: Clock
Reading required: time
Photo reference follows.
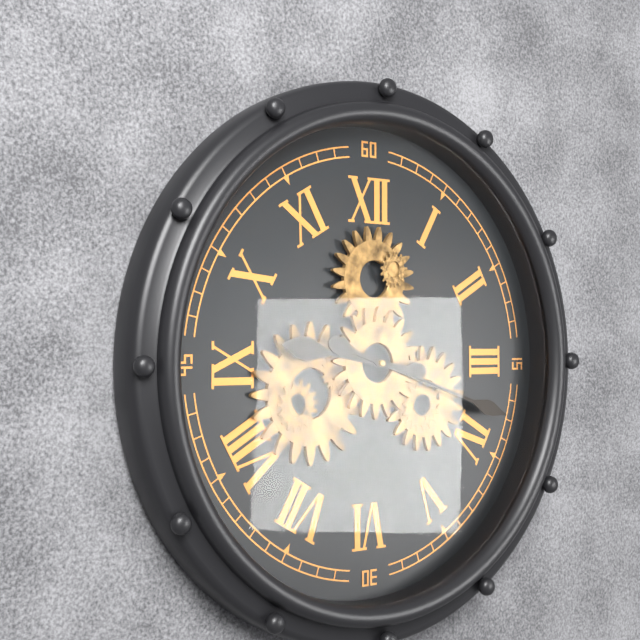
9:18
